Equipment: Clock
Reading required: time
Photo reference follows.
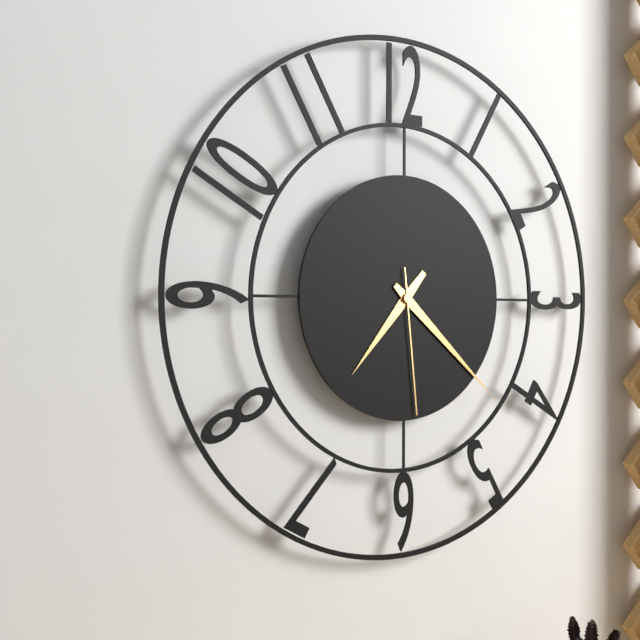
7:22:29
